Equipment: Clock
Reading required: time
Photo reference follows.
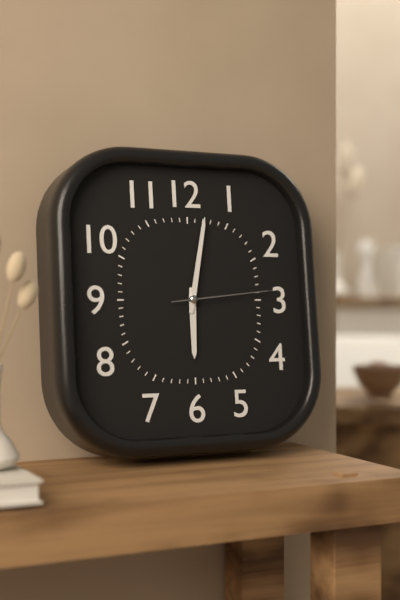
6:02:14
